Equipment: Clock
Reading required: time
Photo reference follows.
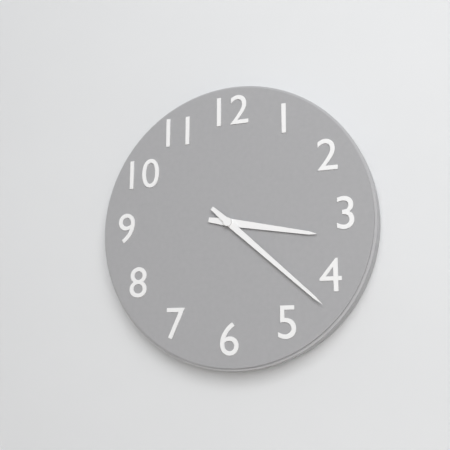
3:22
